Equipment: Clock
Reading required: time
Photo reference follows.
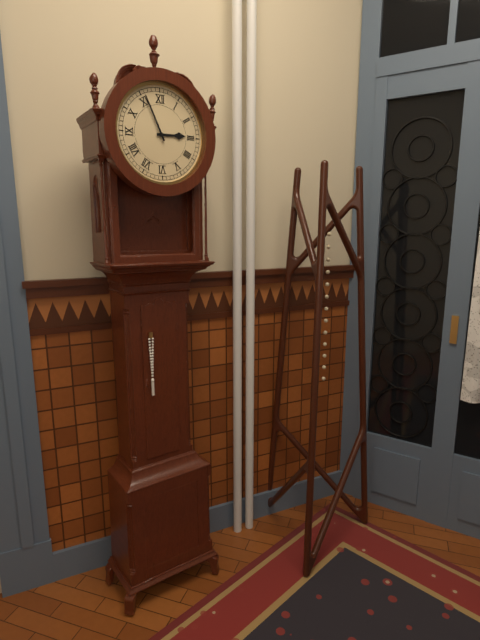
2:56
